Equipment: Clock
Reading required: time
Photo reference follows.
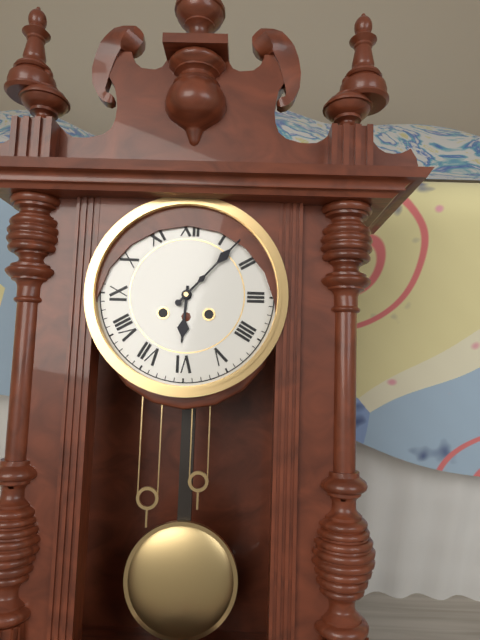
6:07
